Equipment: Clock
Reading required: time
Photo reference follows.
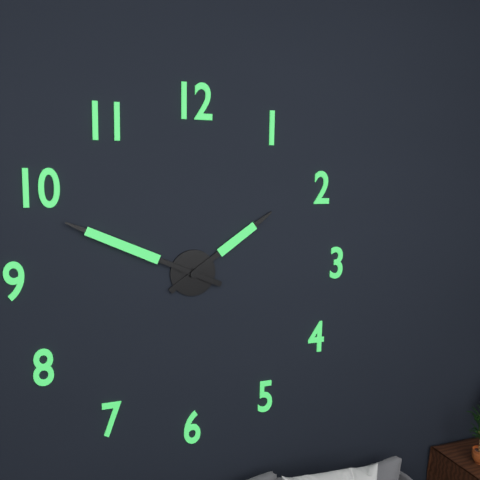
1:49
